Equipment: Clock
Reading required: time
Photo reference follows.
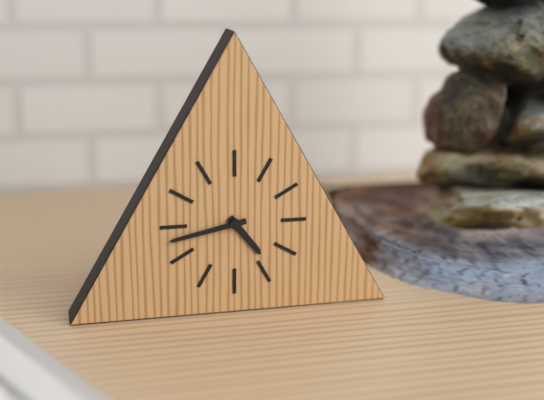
4:43
